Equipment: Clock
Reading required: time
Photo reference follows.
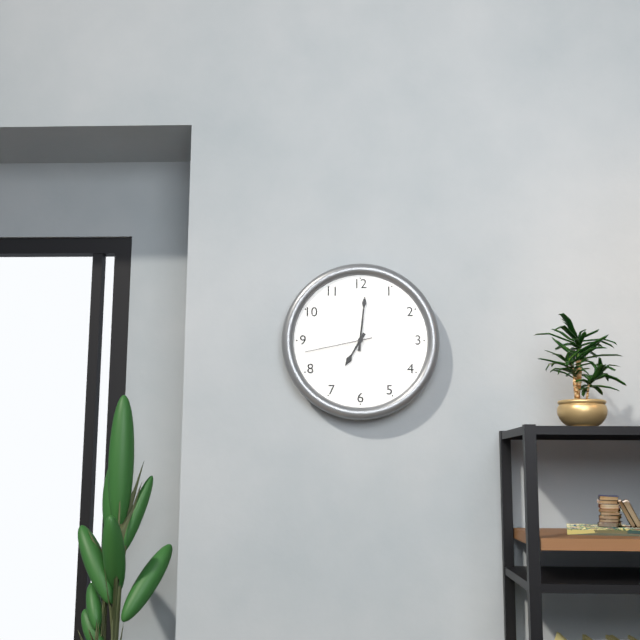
7:01:43
